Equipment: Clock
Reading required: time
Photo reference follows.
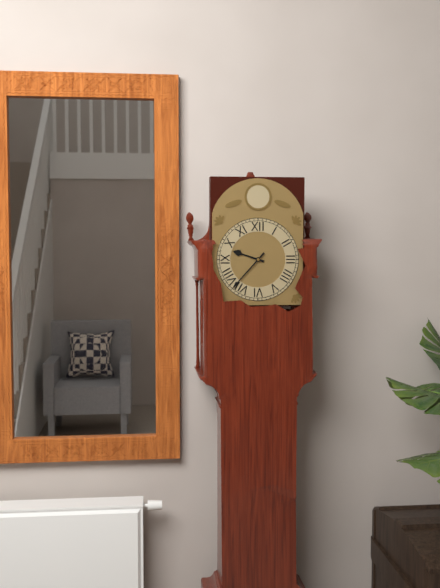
9:37
